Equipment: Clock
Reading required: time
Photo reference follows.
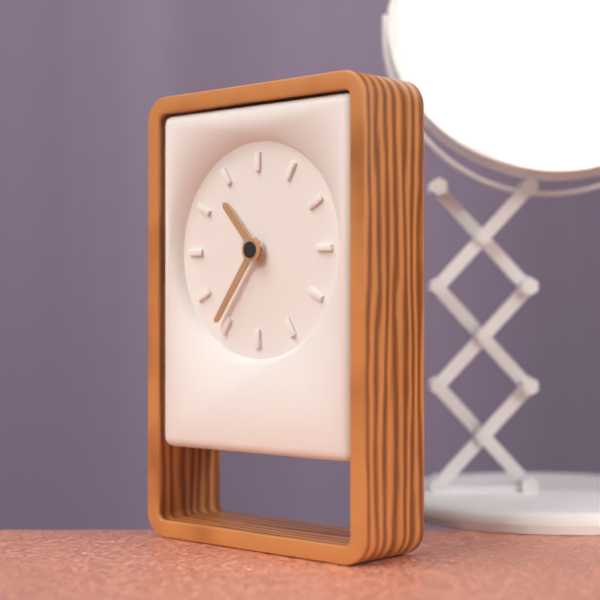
10:36
